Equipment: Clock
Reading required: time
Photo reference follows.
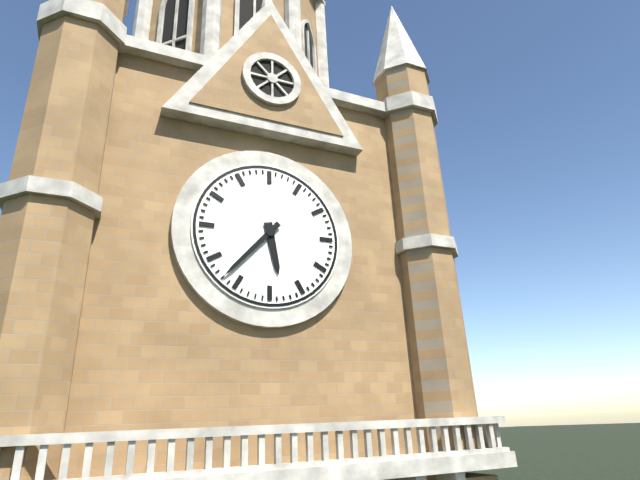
5:37
